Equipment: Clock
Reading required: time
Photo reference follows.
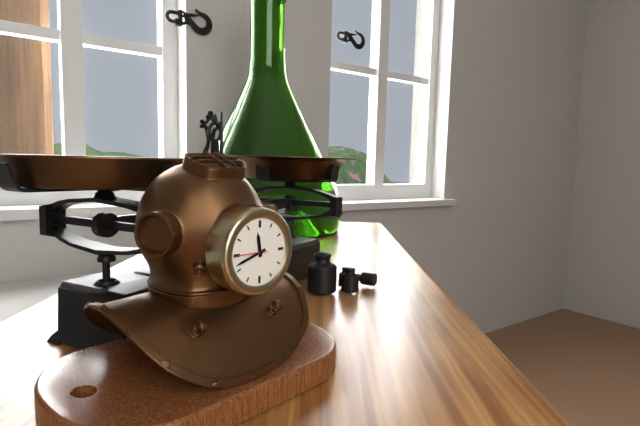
11:42
